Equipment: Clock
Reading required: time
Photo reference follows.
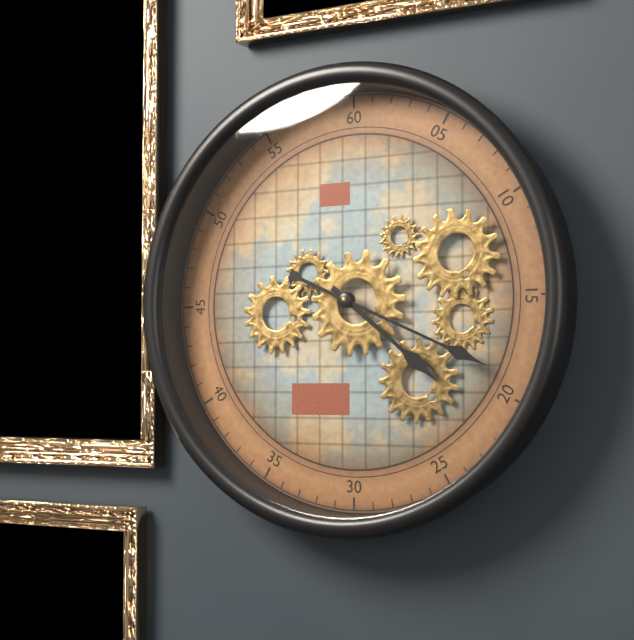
4:19
